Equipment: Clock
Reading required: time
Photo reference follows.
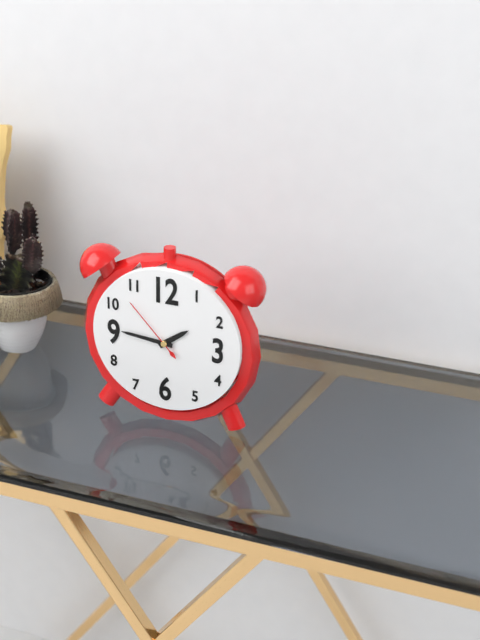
1:46:53
